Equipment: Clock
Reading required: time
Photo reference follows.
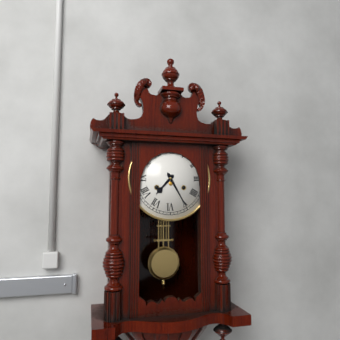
7:25
